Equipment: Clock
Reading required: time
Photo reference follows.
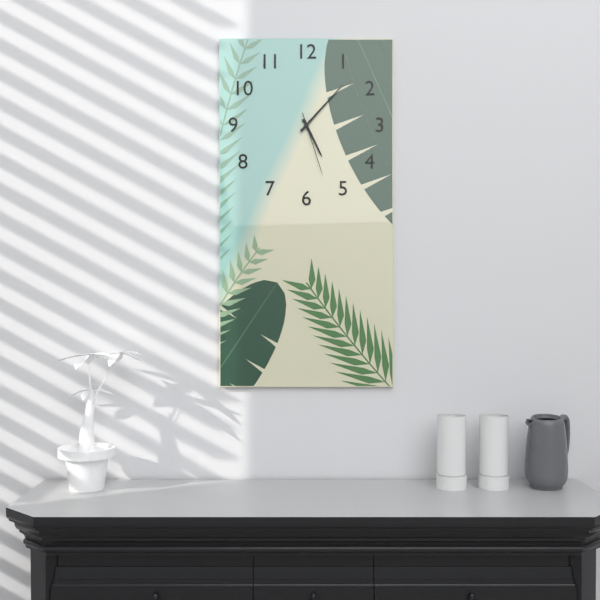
5:07:27
